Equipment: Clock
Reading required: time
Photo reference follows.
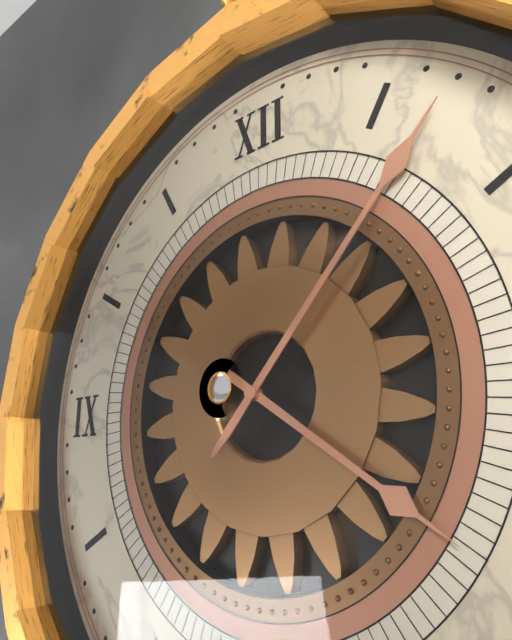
4:07
